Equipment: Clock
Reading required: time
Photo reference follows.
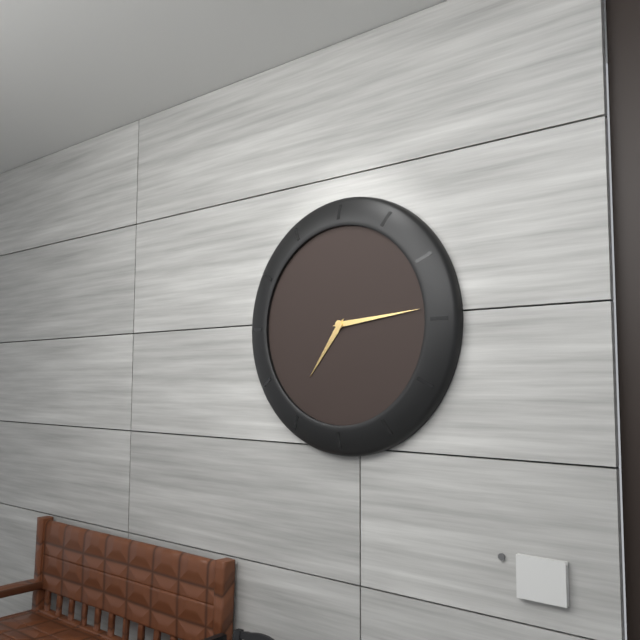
7:14
